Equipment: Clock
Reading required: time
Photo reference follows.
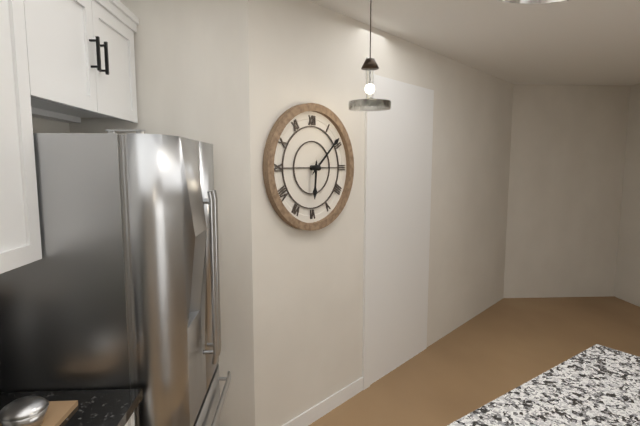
6:08
